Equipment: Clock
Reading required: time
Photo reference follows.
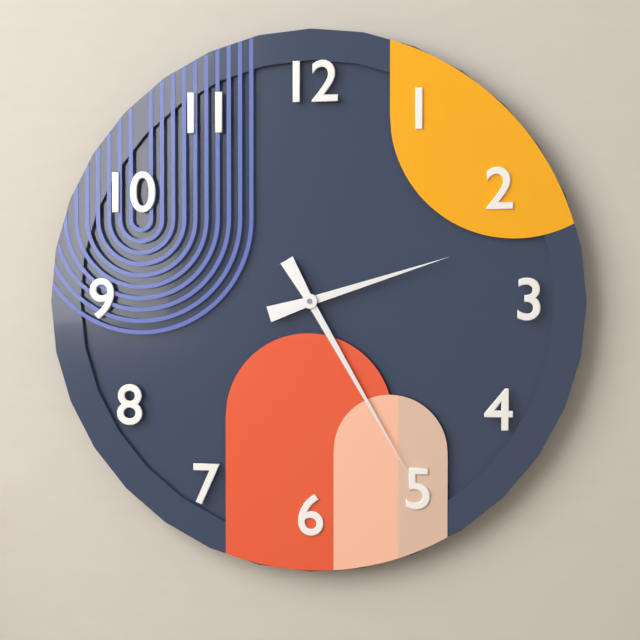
2:25
